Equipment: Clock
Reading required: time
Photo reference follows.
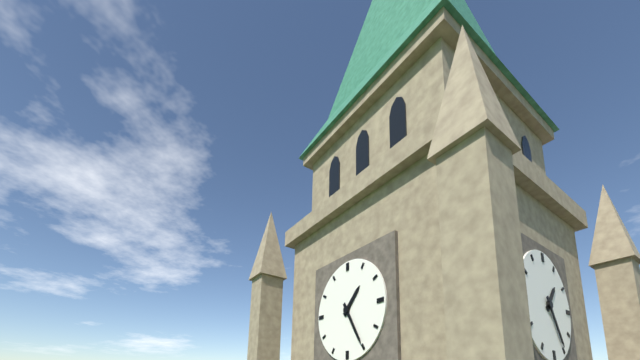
1:25
